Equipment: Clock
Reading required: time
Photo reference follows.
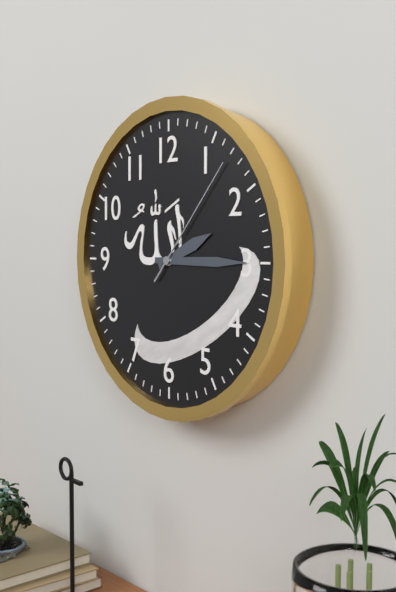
2:15:07
